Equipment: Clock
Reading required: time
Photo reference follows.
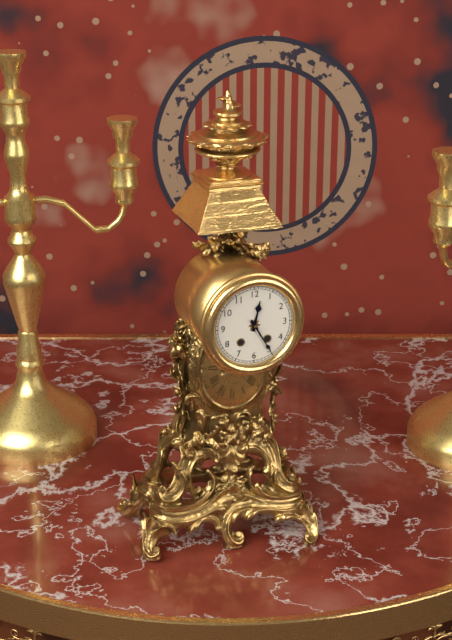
12:25
